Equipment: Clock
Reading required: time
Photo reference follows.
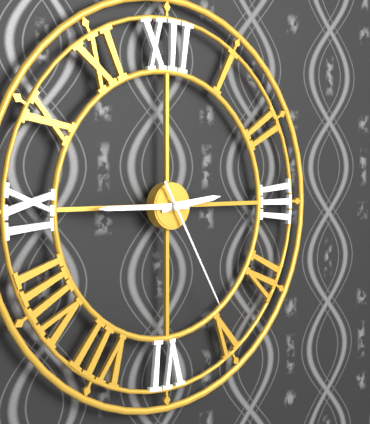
2:45:25
